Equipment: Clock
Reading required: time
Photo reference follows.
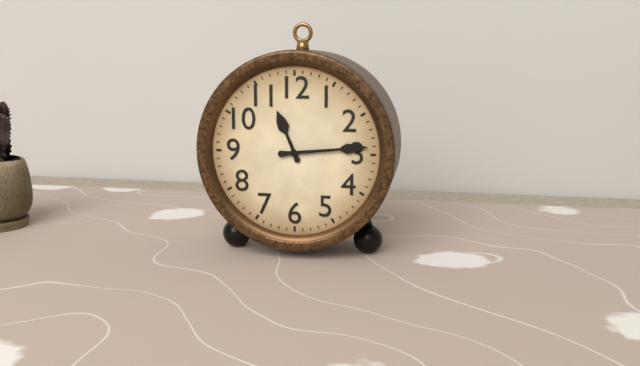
11:14
